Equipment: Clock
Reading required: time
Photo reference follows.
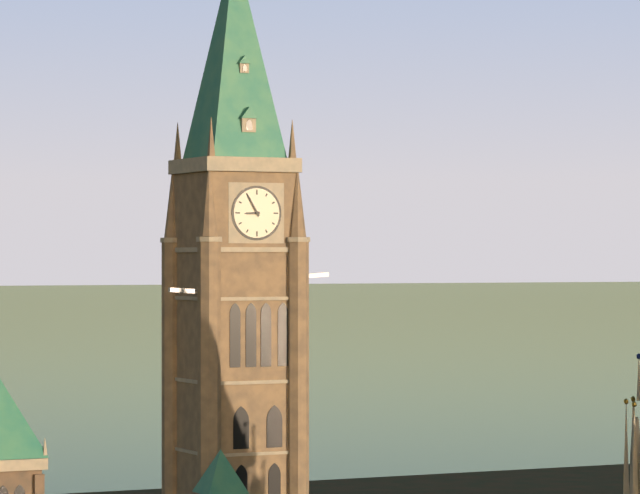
8:55
